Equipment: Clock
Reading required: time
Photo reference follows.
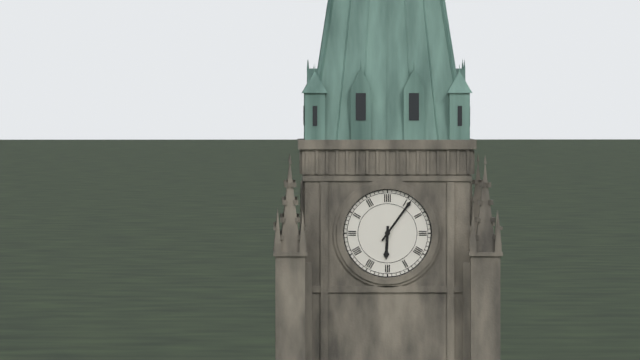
6:06
